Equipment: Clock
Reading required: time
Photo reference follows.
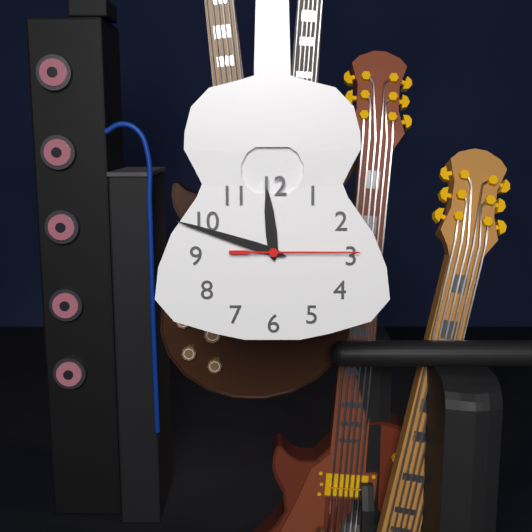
11:48:15
